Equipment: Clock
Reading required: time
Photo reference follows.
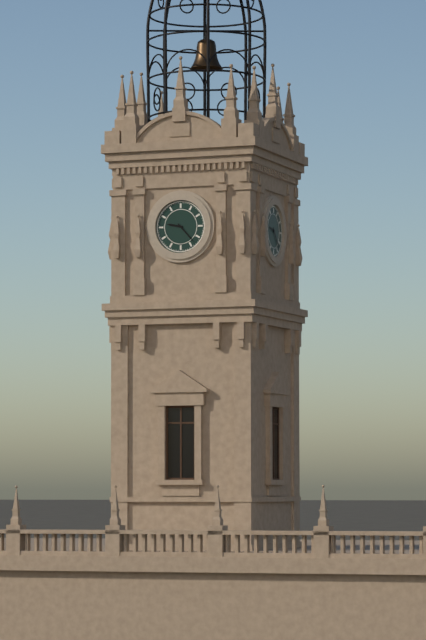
9:23
